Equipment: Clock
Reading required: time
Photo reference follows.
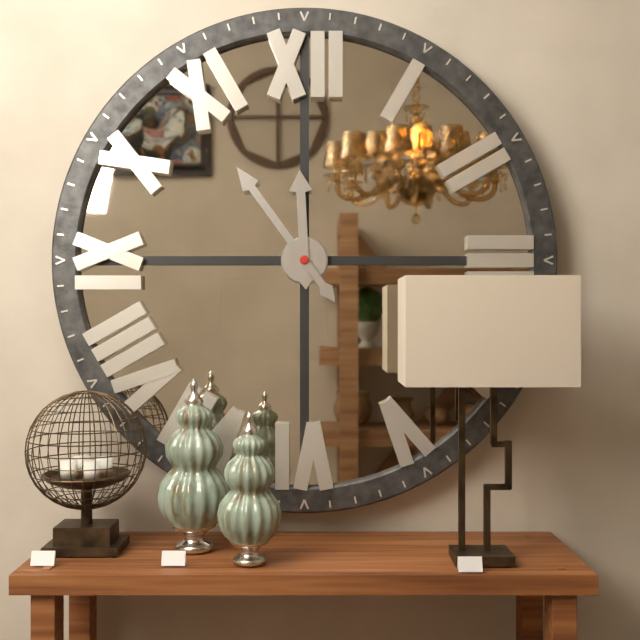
11:54
